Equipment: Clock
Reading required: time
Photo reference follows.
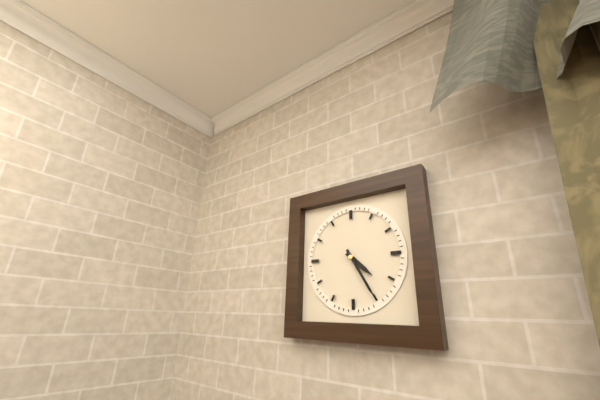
4:25
